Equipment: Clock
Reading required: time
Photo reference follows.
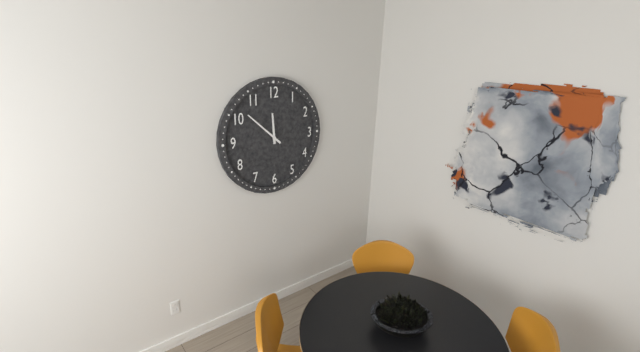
11:52
